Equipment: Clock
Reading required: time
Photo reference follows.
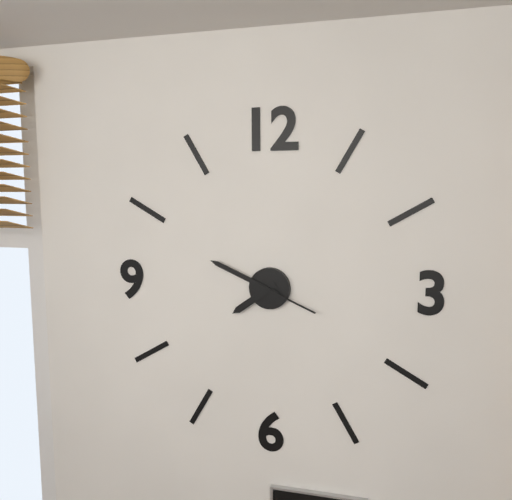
7:49:19
